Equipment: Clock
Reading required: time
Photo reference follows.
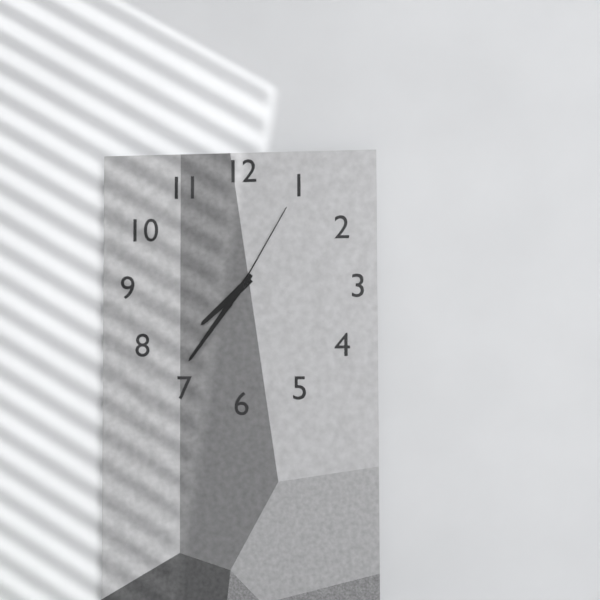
7:36:05
